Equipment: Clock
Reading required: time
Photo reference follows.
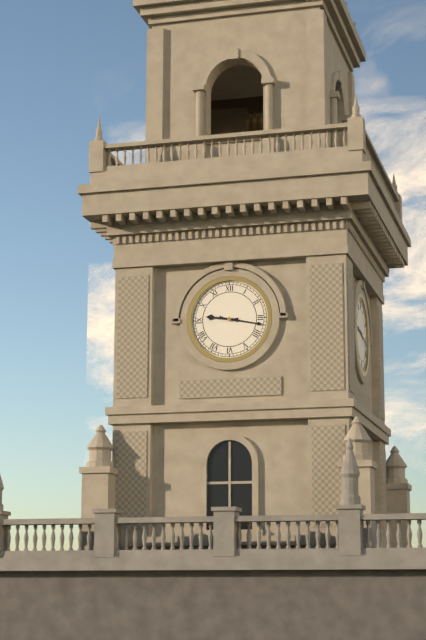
9:17
